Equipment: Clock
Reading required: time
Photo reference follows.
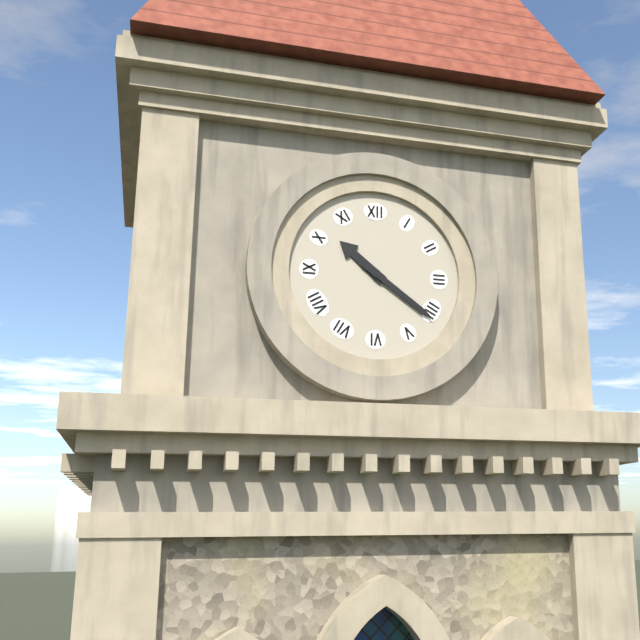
10:21
